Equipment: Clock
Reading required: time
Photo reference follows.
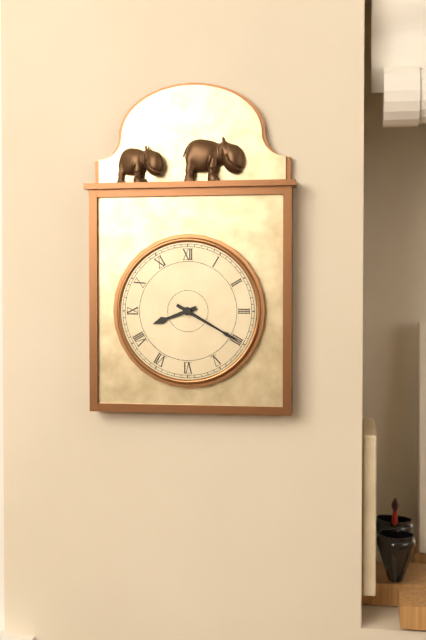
8:20
